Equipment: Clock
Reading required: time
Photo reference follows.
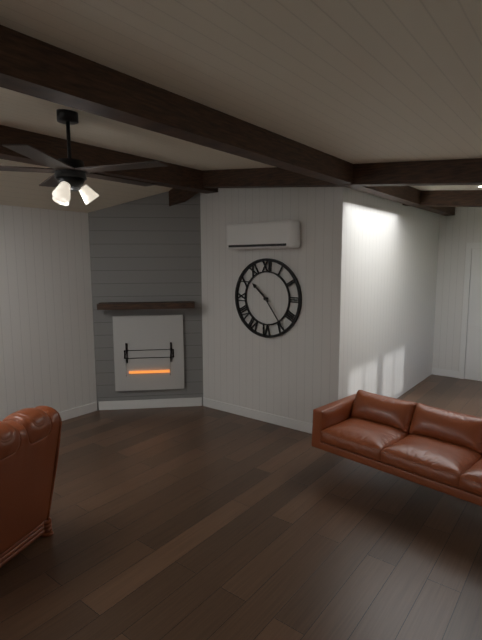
10:24
